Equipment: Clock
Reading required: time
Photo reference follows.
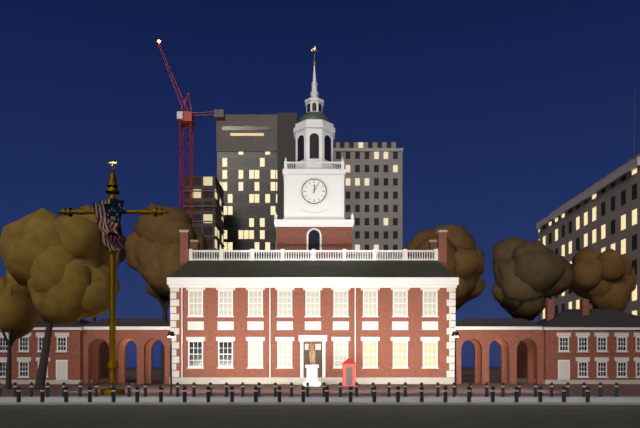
12:05
